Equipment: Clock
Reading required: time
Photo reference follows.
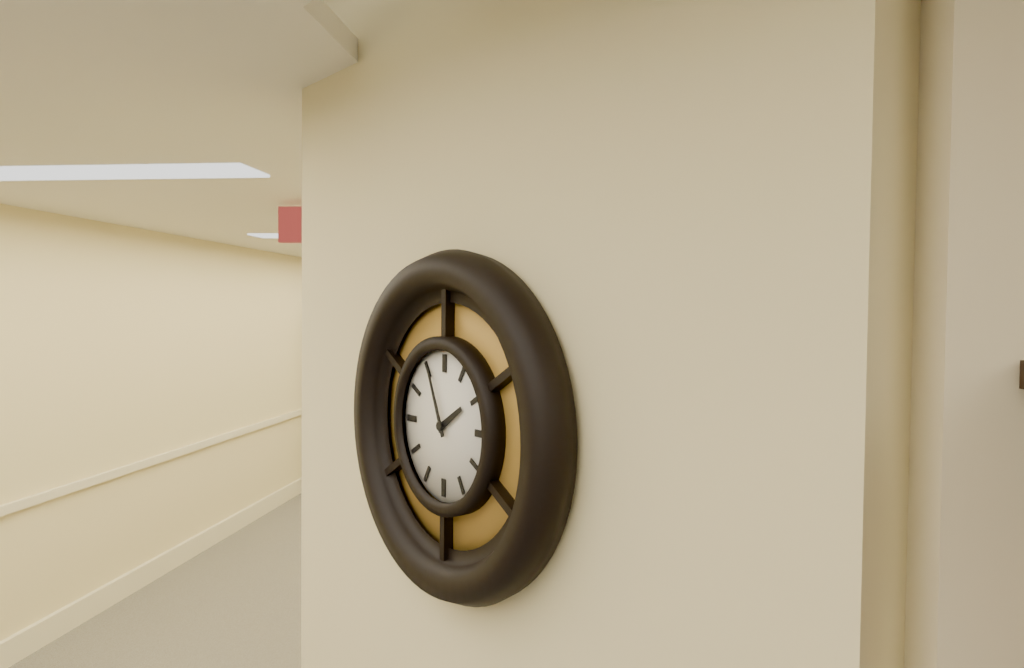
1:56
